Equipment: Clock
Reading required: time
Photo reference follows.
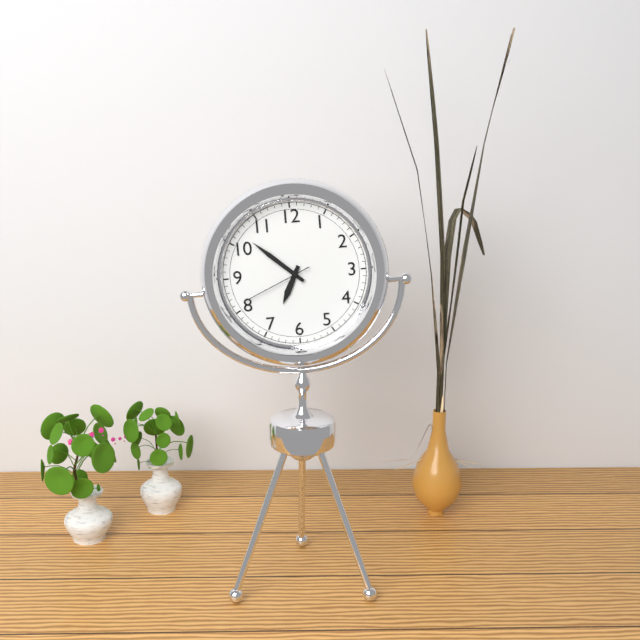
6:52:41
